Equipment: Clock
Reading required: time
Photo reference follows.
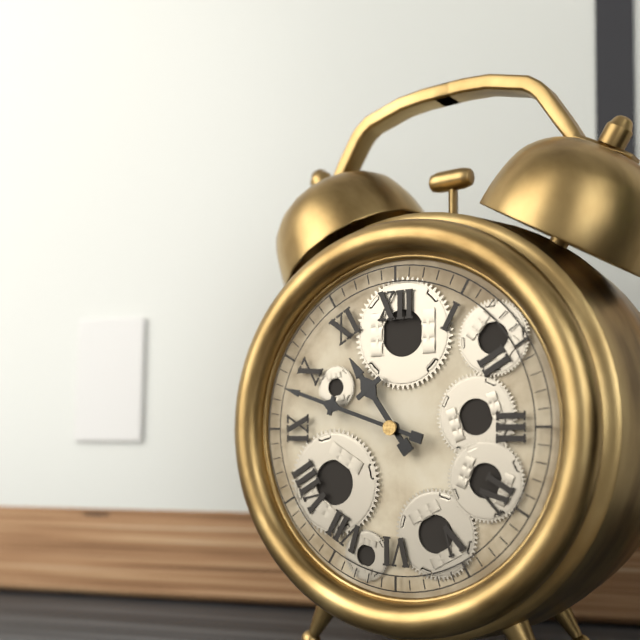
10:48
